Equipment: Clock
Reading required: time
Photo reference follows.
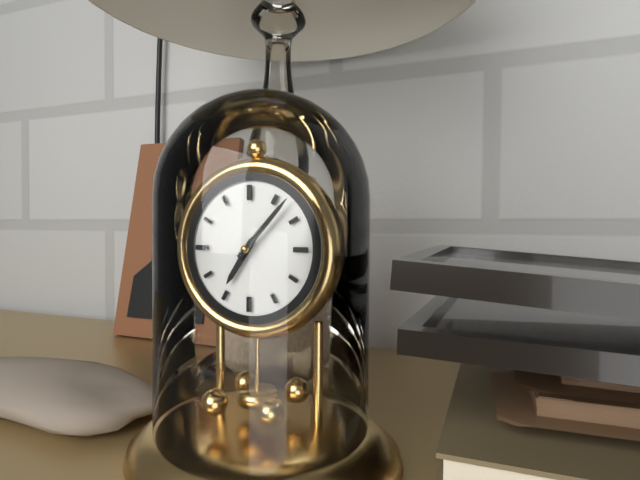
7:07
